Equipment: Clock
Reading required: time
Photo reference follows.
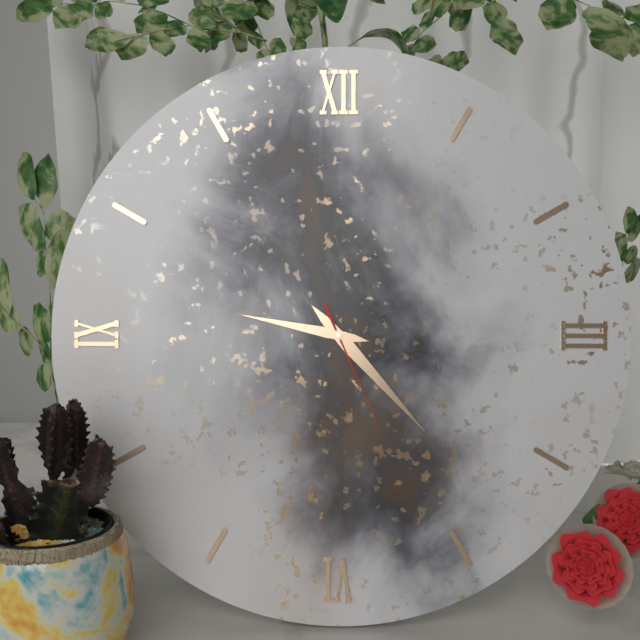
9:23:26
